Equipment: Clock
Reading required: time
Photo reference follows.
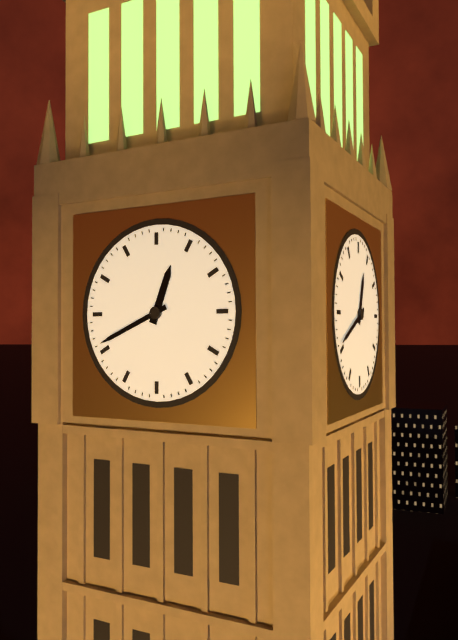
12:41
